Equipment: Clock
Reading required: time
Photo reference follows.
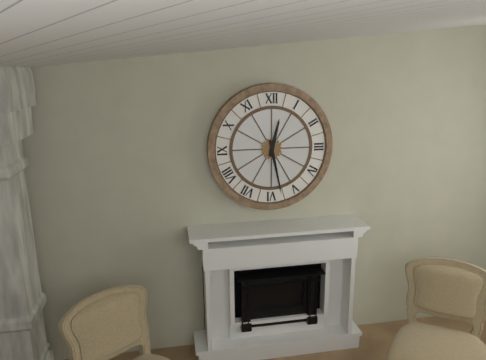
12:28
